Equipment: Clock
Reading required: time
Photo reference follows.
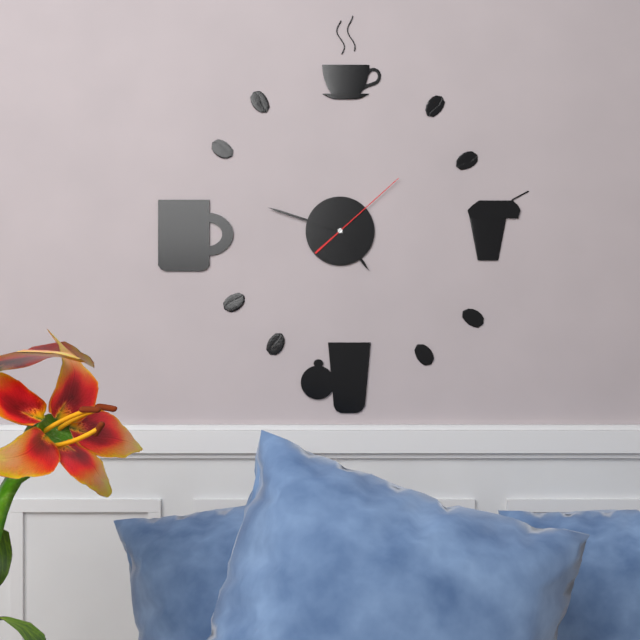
4:48:08
